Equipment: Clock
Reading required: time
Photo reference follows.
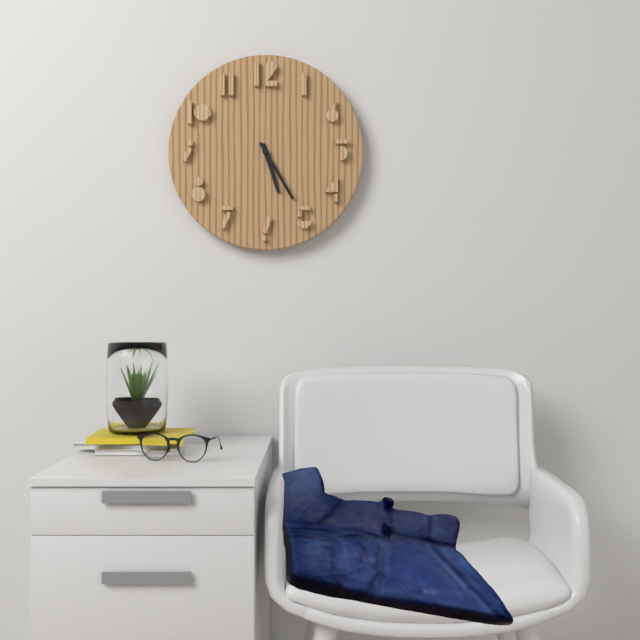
5:25
